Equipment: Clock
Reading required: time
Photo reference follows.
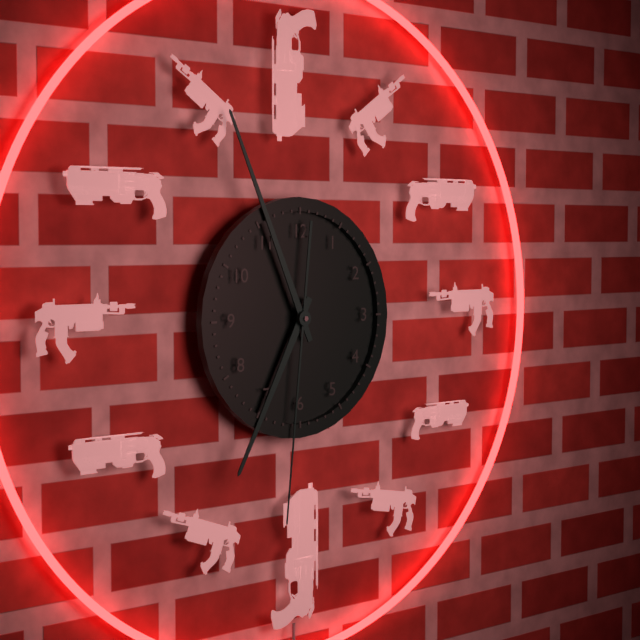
6:56:31
